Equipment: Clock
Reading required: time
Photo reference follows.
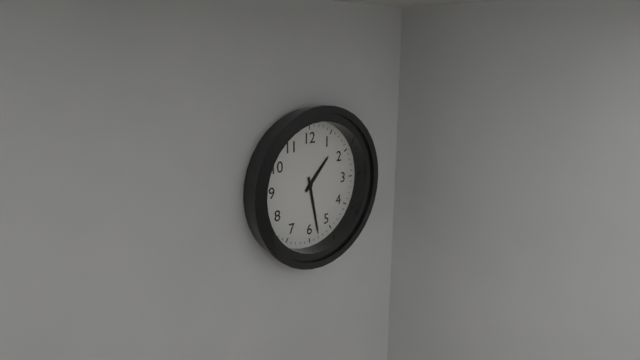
1:28
